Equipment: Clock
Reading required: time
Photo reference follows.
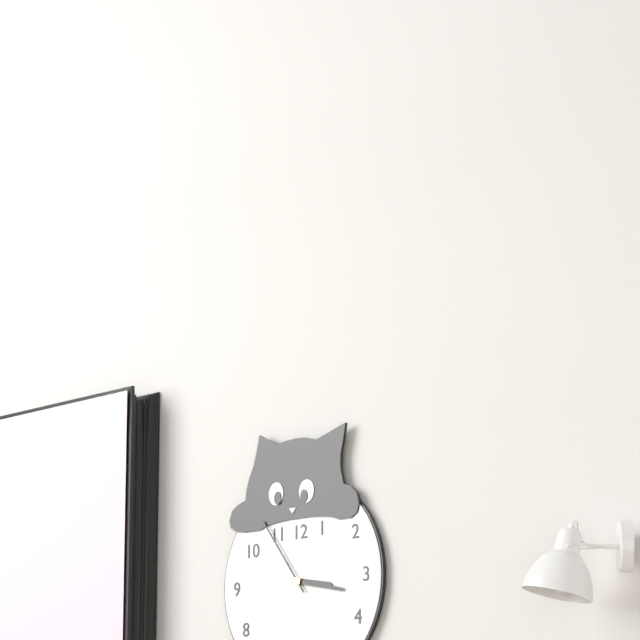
3:17:54
